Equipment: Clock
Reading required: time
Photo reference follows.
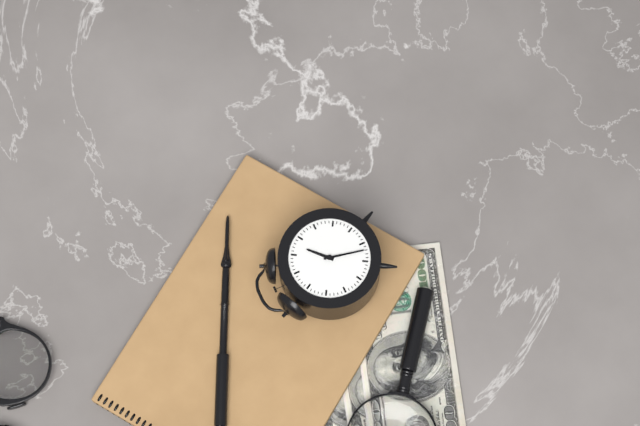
1:32
